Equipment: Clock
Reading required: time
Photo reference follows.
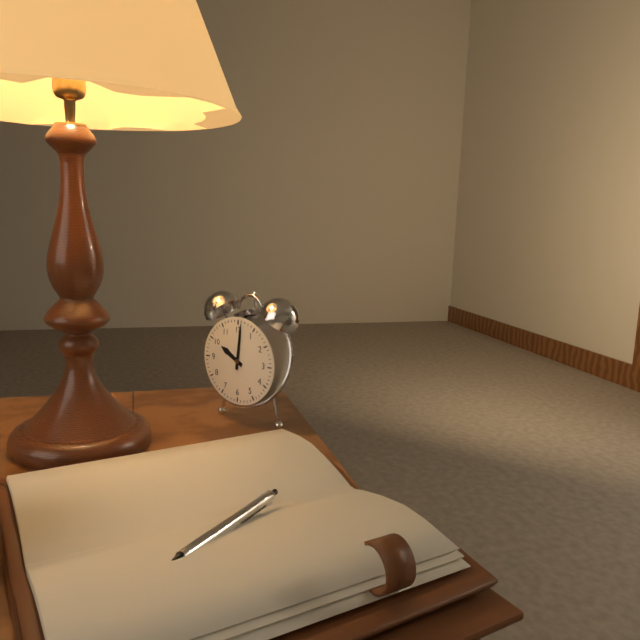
10:01
